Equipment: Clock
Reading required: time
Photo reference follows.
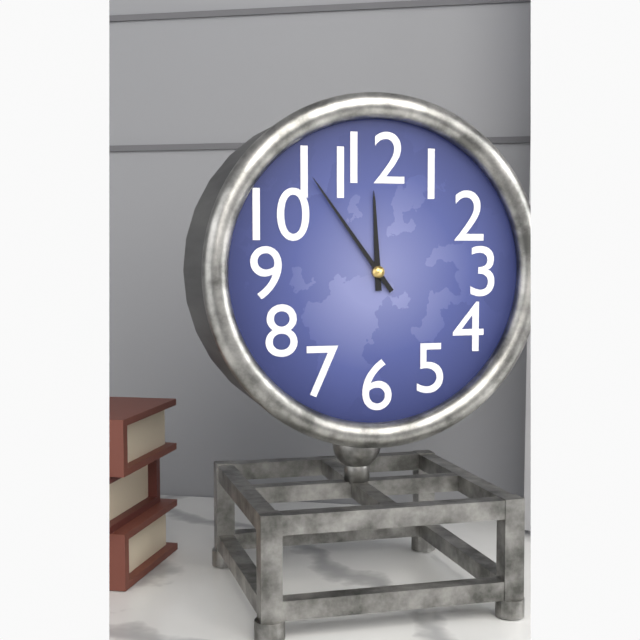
11:54
